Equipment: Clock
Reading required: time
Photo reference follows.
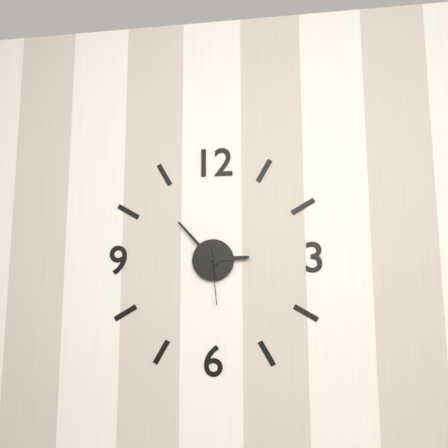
2:53:29
